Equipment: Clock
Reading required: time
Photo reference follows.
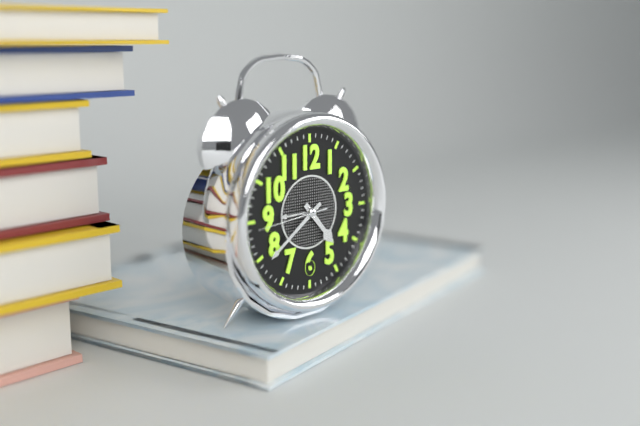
4:39:44
